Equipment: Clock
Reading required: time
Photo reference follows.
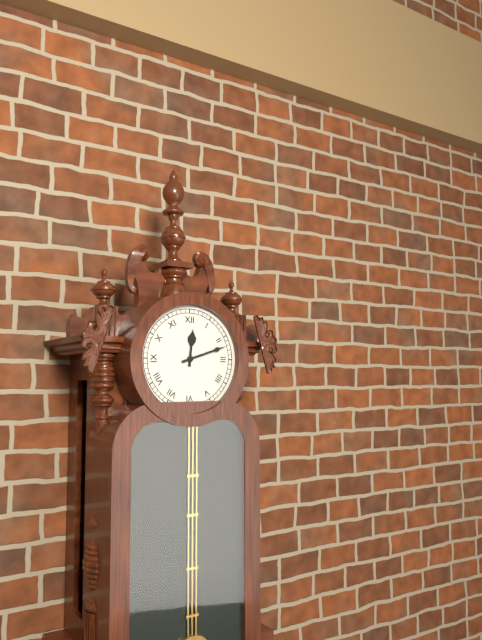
12:12
